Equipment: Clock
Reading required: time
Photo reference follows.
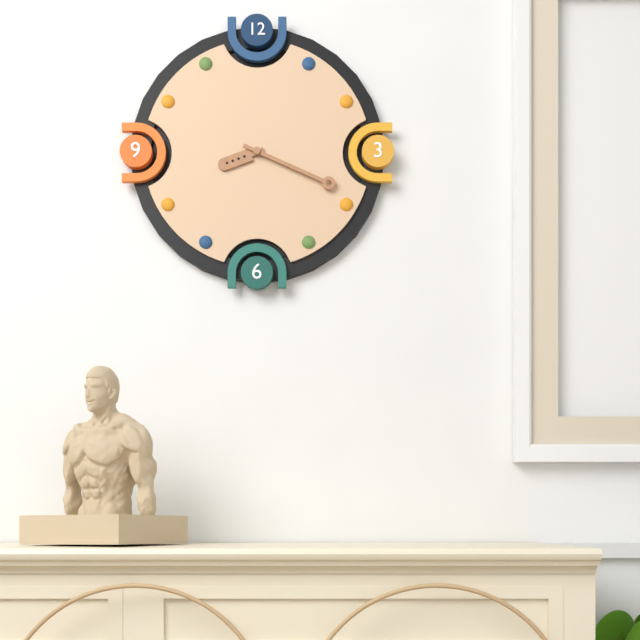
8:19
